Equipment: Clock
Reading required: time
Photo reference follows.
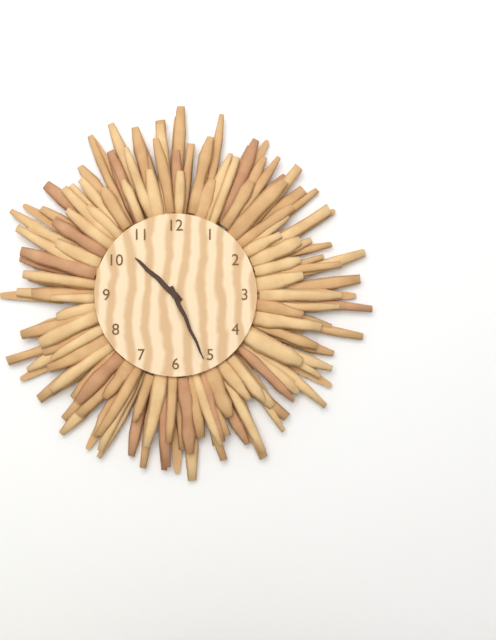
10:26
